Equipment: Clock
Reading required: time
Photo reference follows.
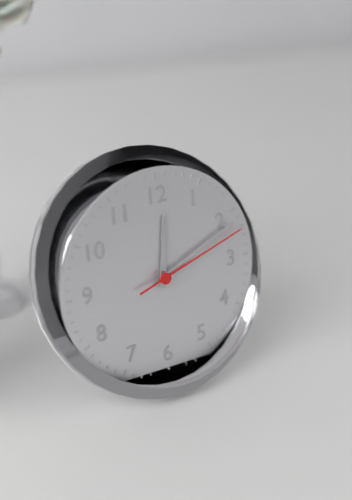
12:11:12
